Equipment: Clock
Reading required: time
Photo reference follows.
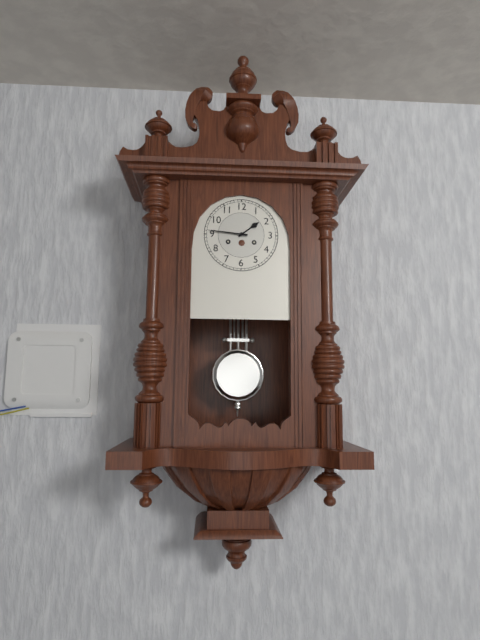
1:46
